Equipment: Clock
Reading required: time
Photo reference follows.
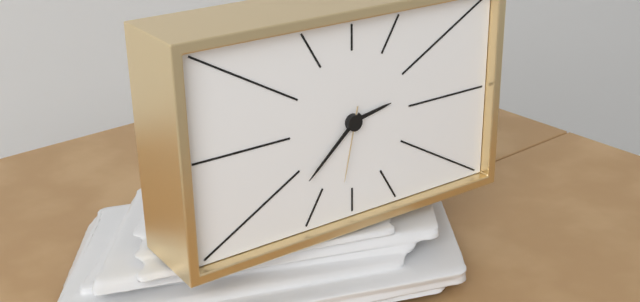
2:38:32
